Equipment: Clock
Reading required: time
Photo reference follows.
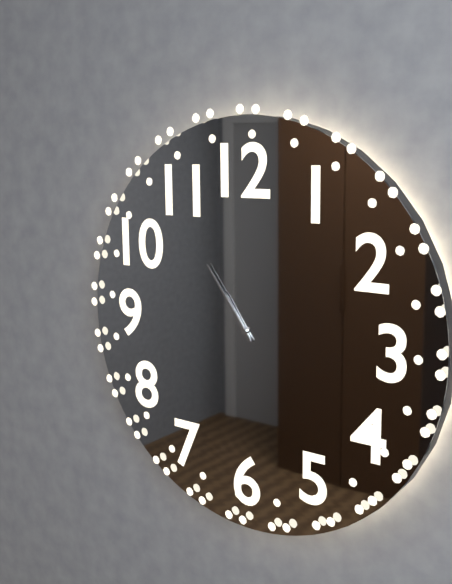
10:54
